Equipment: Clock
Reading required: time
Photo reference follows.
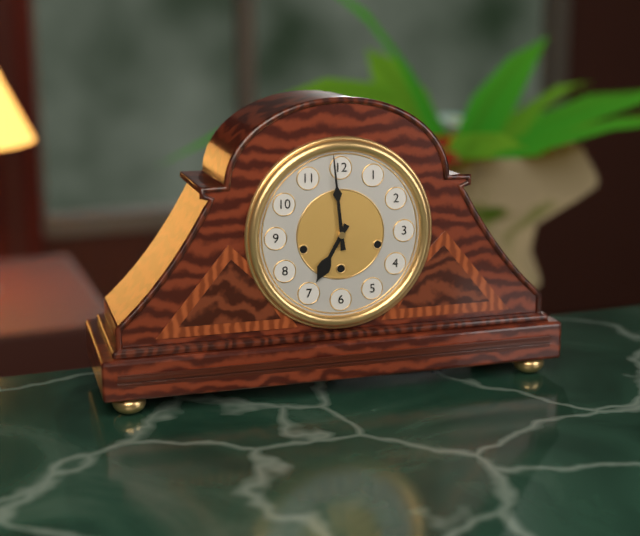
6:59
